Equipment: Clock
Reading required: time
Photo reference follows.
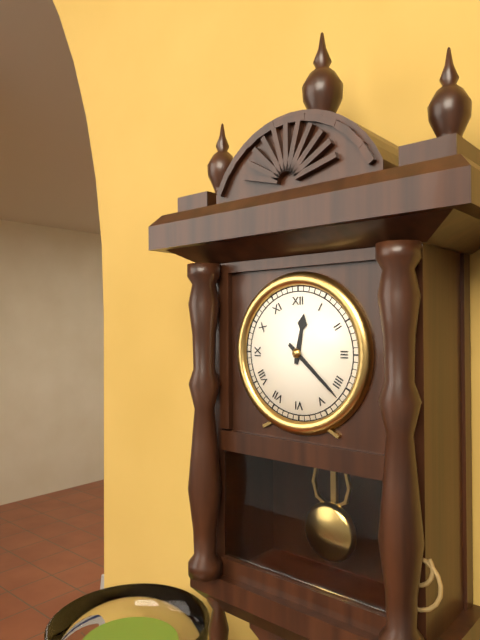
12:22
